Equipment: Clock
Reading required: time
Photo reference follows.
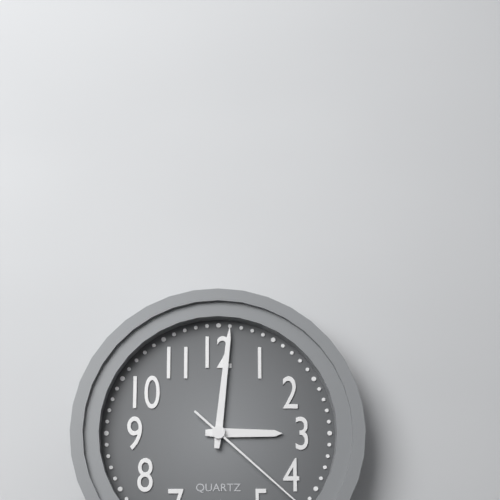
3:01
